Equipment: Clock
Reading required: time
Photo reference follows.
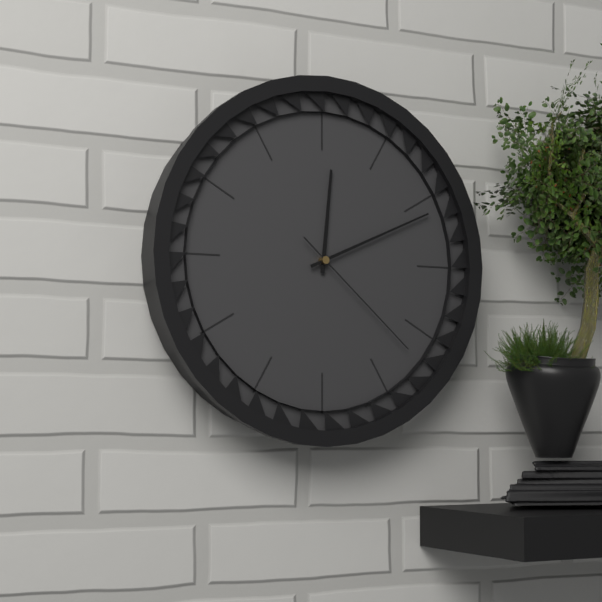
12:11:22
